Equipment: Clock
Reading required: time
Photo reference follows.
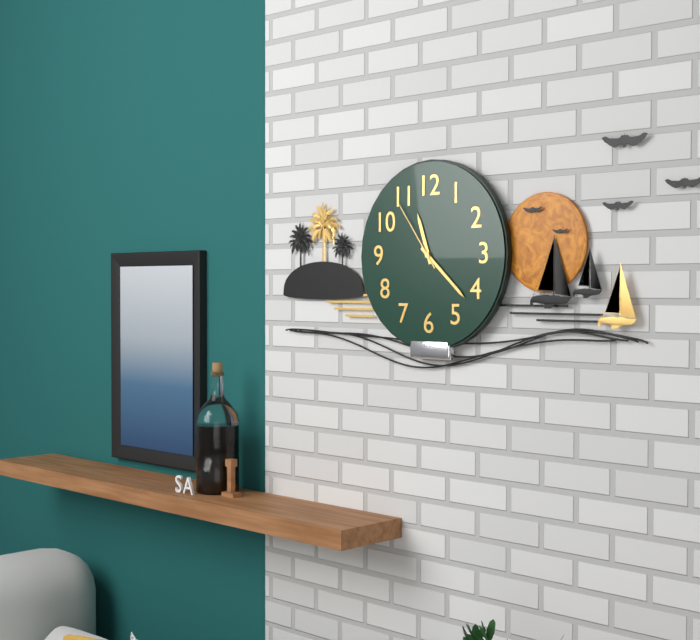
11:22:54
